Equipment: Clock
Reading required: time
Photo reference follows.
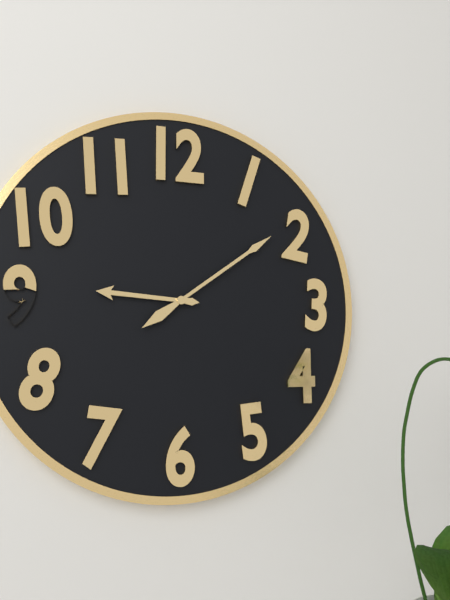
9:09
